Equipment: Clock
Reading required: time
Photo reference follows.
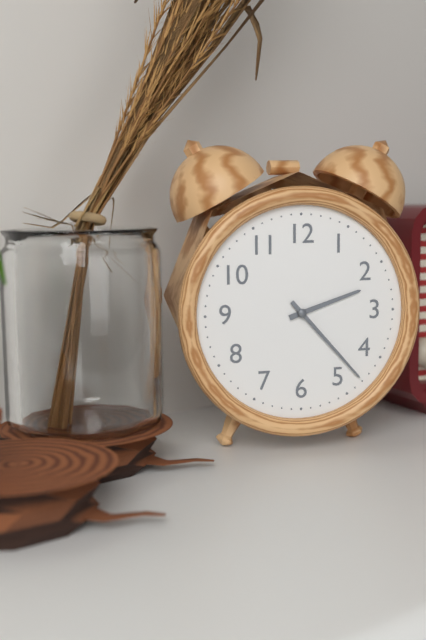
2:23
